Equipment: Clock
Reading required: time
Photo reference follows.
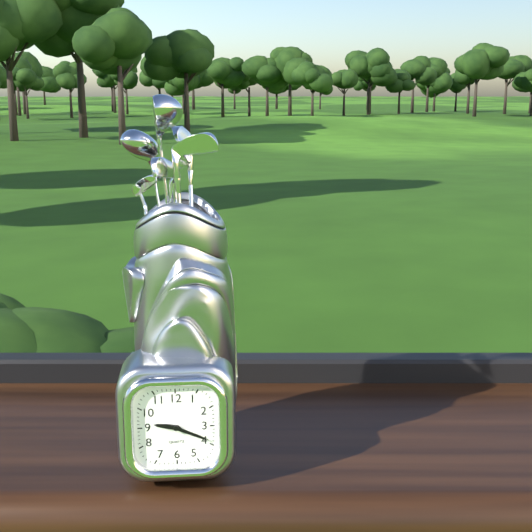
9:19
